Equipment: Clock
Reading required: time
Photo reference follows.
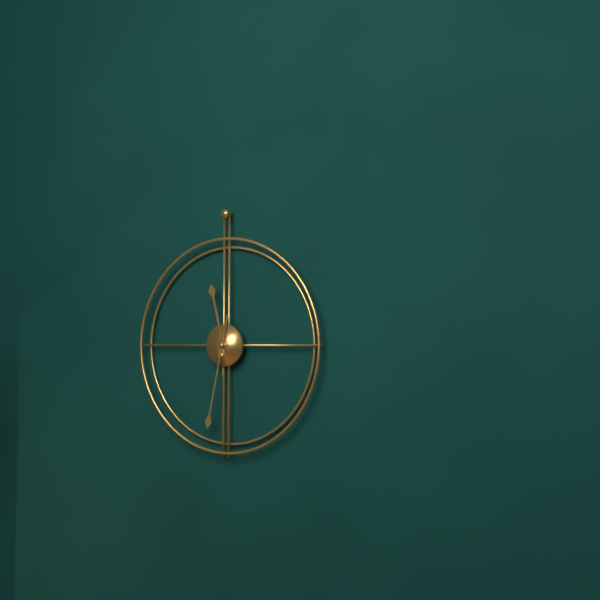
11:32
